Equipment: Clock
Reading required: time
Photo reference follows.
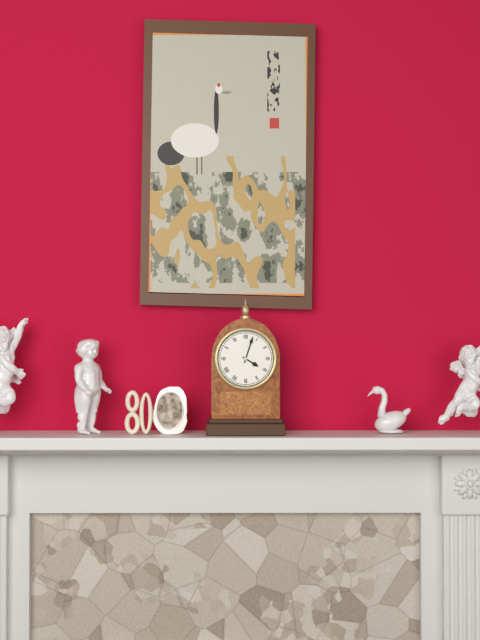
4:03
